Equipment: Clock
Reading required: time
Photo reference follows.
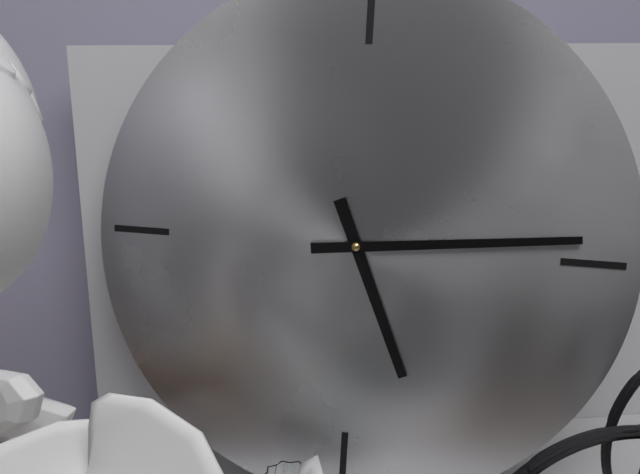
5:14
